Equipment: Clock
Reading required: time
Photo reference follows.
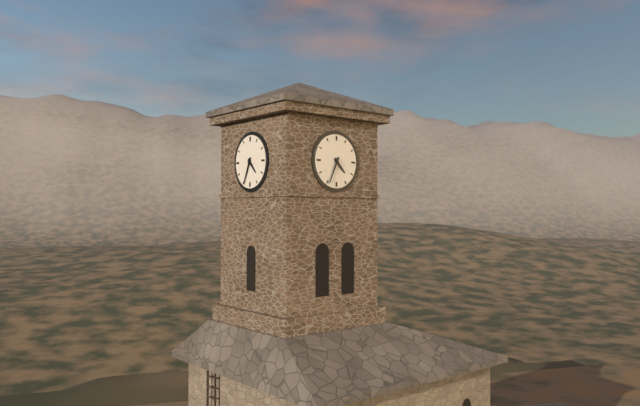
4:34
